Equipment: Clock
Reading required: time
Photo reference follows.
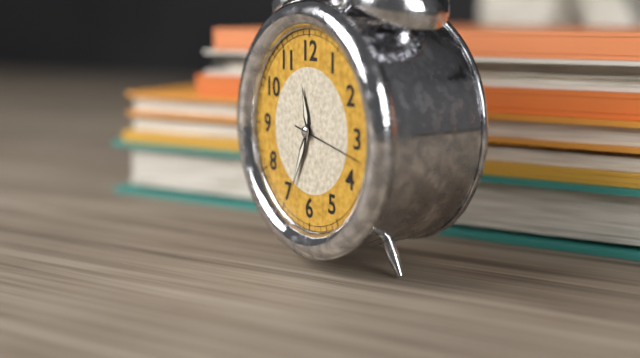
11:34:17
